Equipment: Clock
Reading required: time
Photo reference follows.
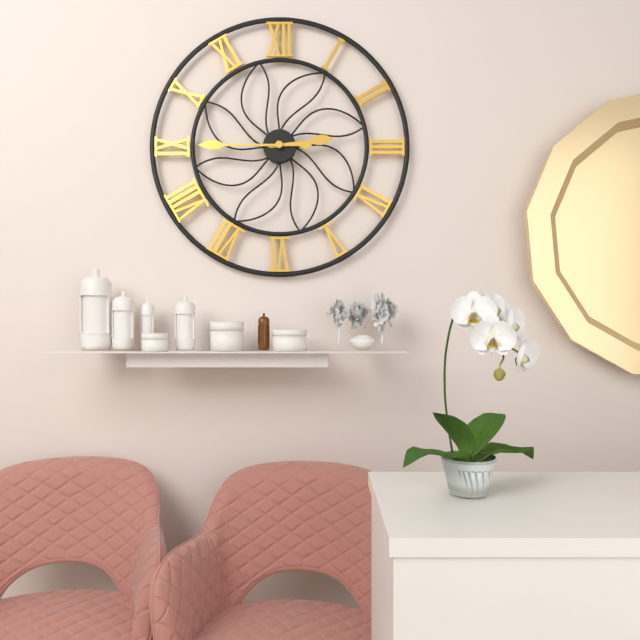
2:45
